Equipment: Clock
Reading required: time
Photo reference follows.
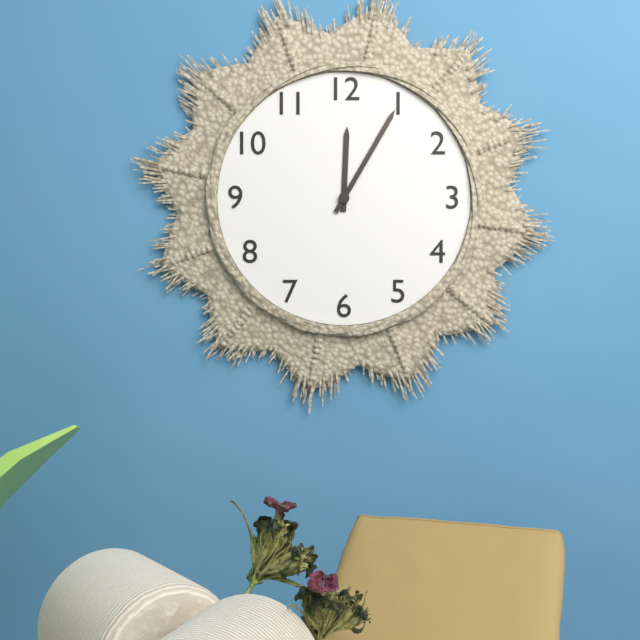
12:05
